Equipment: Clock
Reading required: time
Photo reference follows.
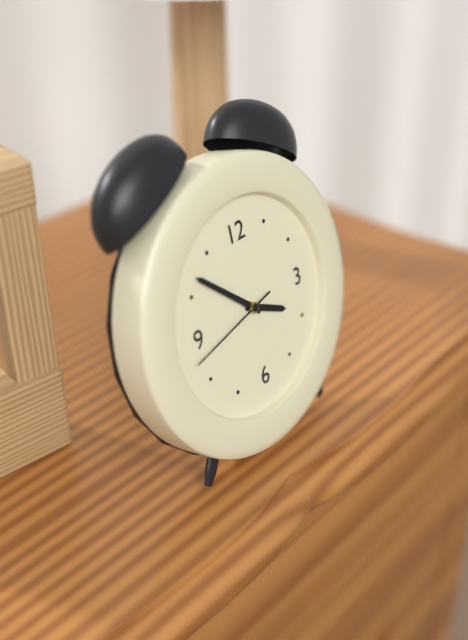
3:52:43
